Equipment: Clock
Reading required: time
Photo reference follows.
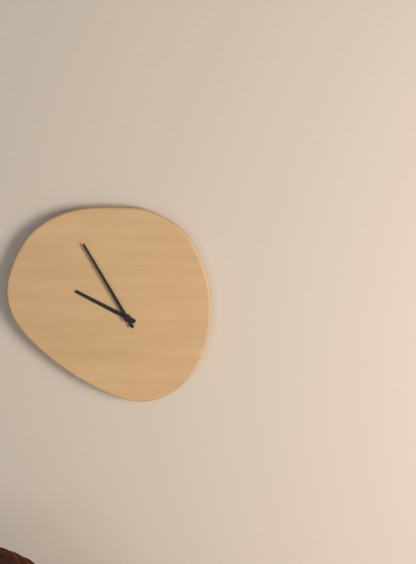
9:55
